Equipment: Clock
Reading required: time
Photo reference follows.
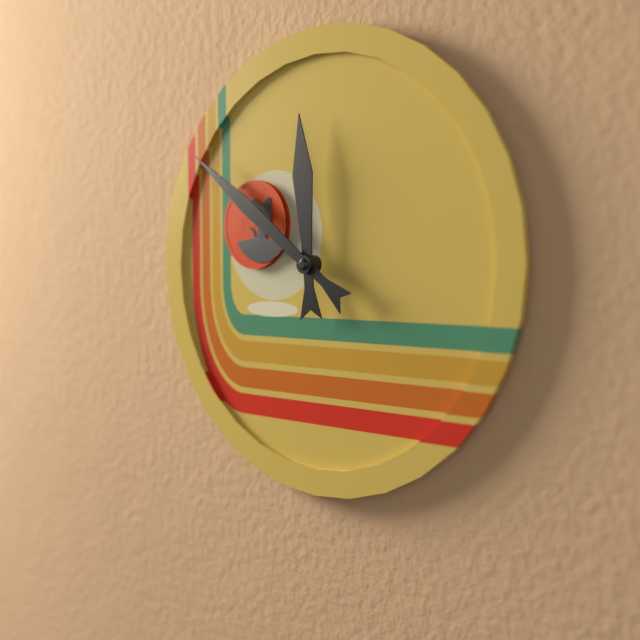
11:51
